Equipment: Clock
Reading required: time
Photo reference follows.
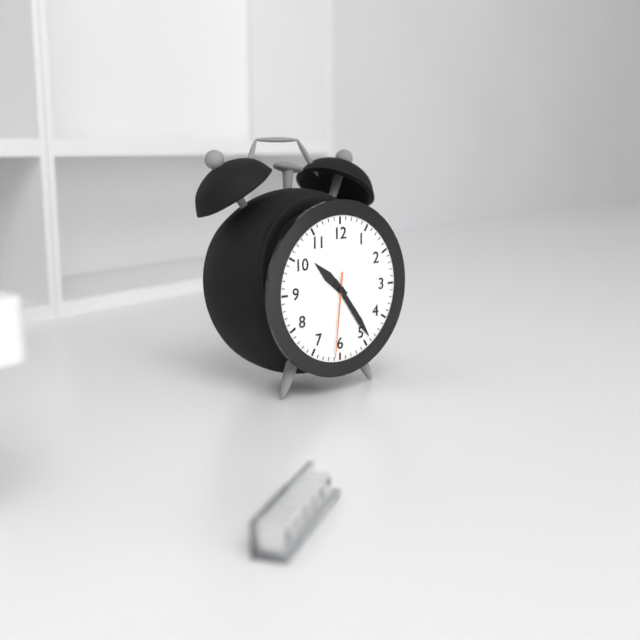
10:24:31
